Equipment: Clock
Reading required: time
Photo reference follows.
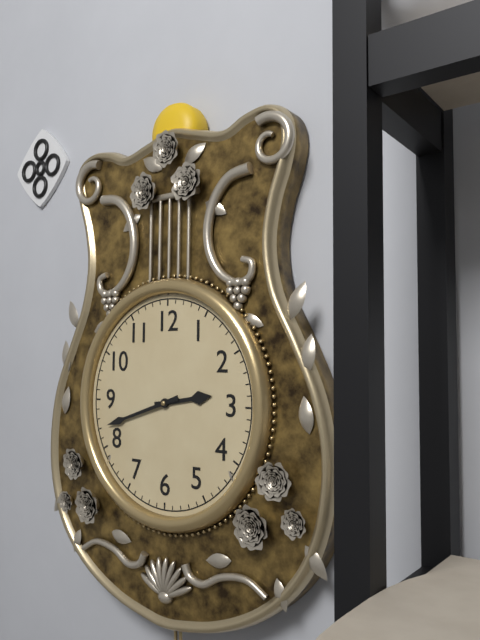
2:42
